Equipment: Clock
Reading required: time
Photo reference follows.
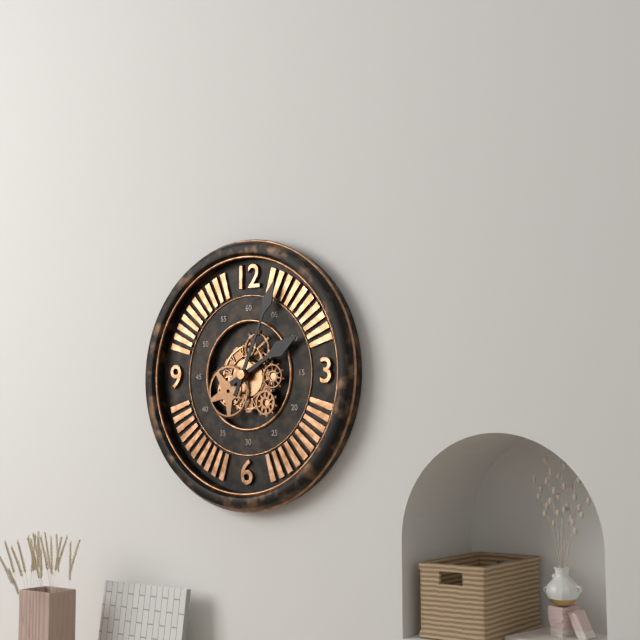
2:04
